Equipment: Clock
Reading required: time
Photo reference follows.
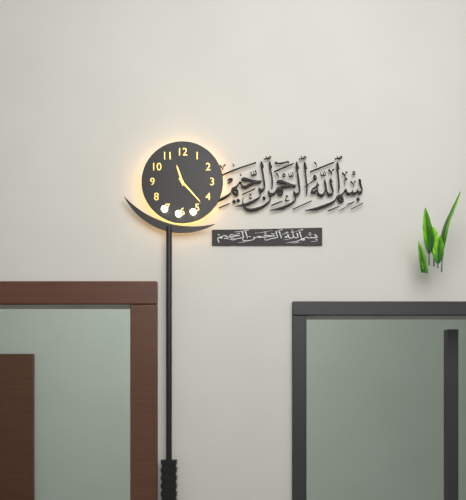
11:23
